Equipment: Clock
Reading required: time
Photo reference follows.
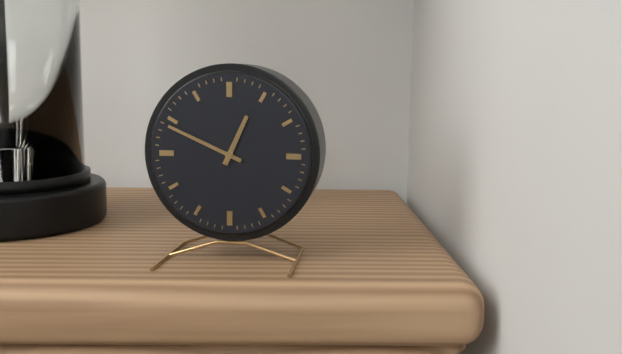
12:49
